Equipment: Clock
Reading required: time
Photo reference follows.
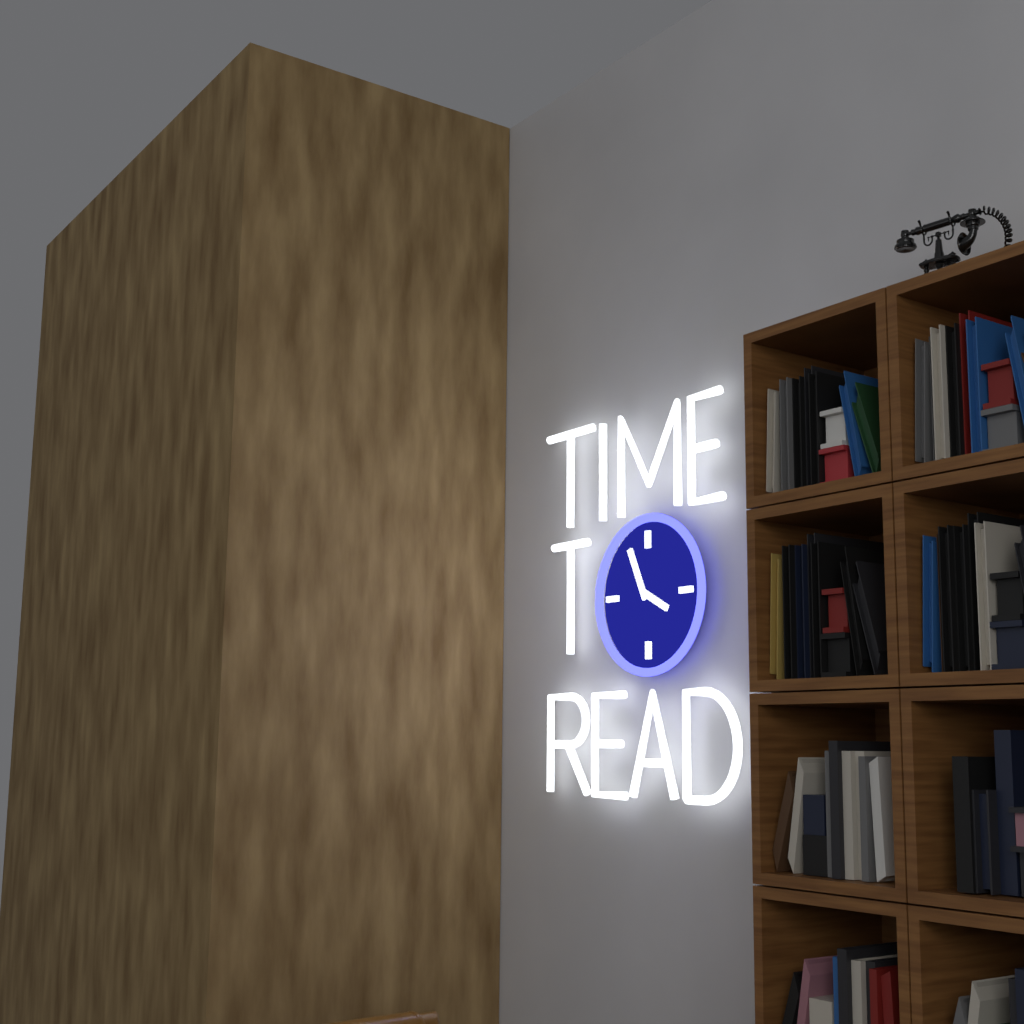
3:56
